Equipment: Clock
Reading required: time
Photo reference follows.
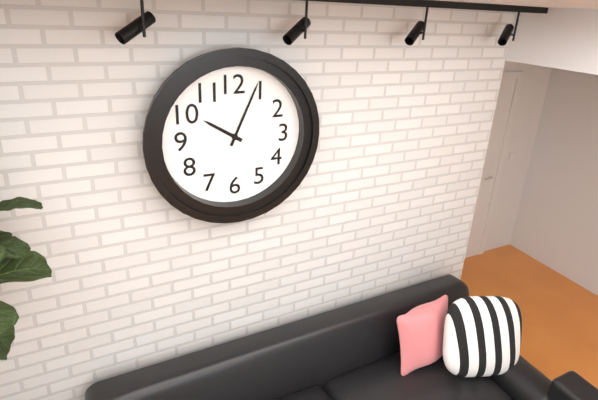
10:04
